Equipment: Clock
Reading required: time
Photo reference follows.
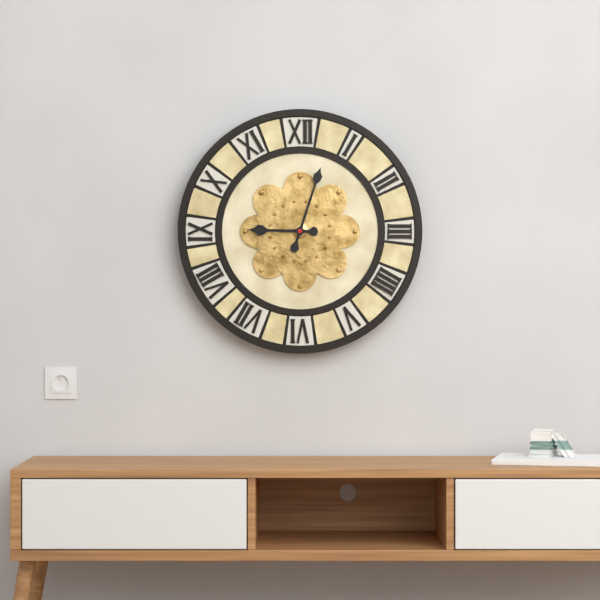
9:03
